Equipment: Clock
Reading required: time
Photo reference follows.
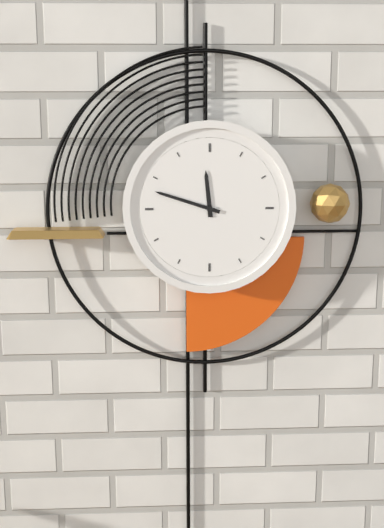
11:48
